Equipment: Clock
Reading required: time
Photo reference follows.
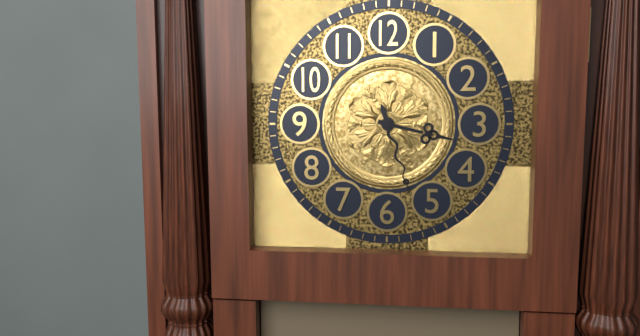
3:27
